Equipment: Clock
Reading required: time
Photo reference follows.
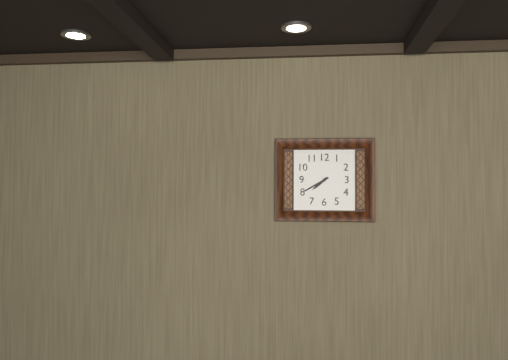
7:40
